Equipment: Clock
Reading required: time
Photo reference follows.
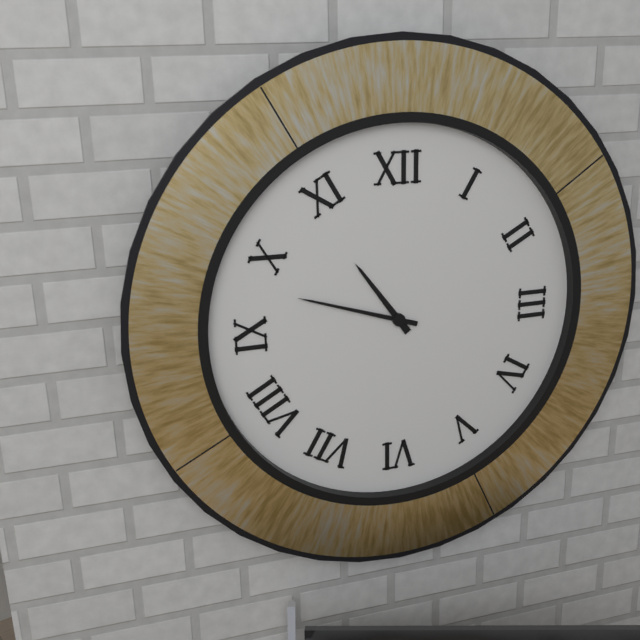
10:48
